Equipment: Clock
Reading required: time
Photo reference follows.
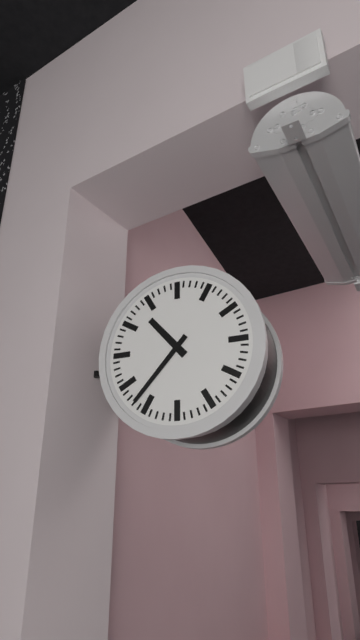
10:37
